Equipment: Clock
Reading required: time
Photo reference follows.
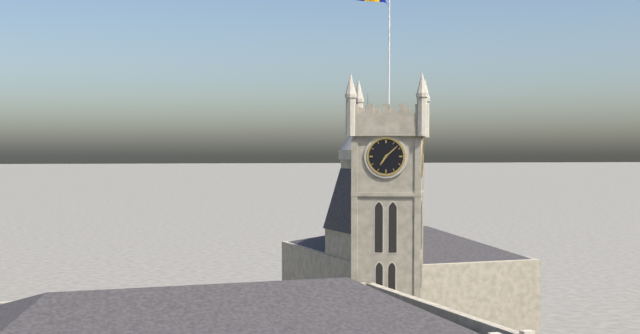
7:08
